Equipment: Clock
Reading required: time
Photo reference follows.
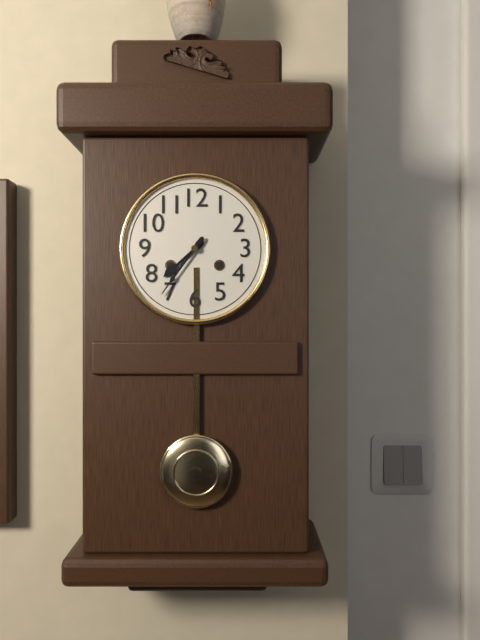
7:36
